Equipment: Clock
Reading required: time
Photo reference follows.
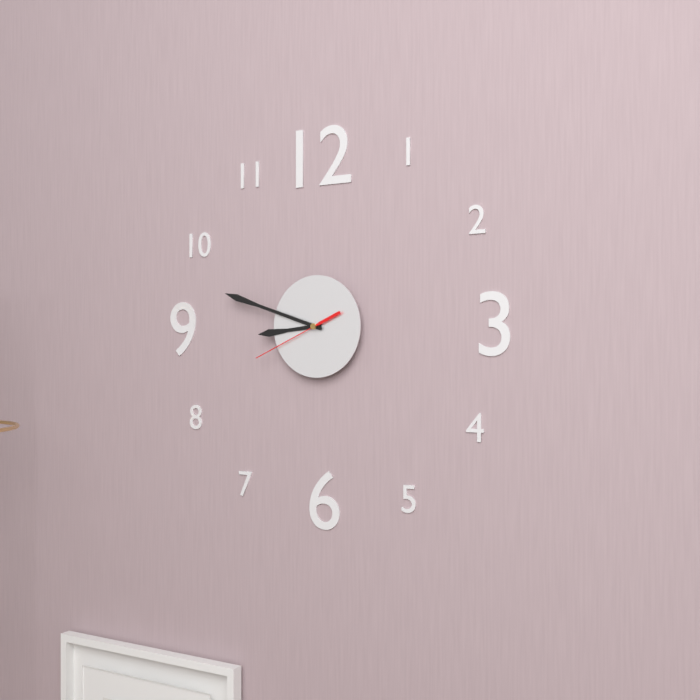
8:48:41
